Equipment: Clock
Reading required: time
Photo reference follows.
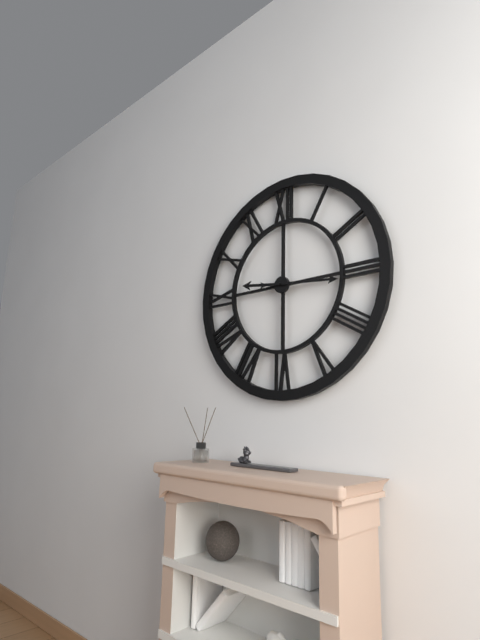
9:16
